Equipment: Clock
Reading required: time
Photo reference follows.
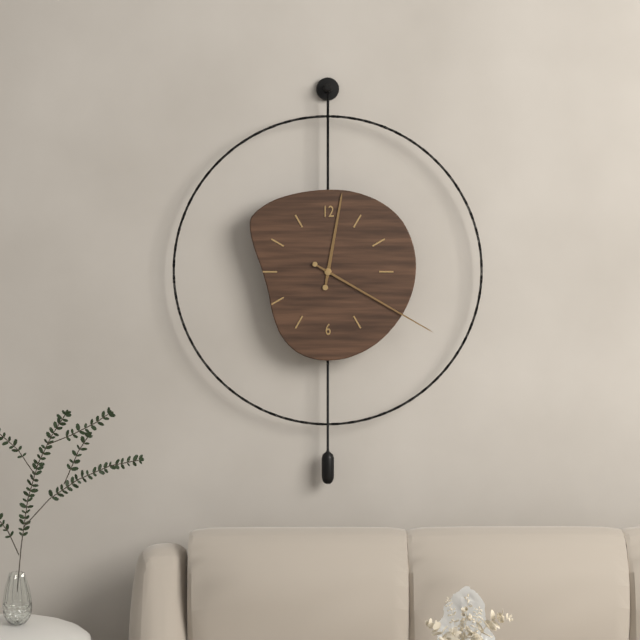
12:20
